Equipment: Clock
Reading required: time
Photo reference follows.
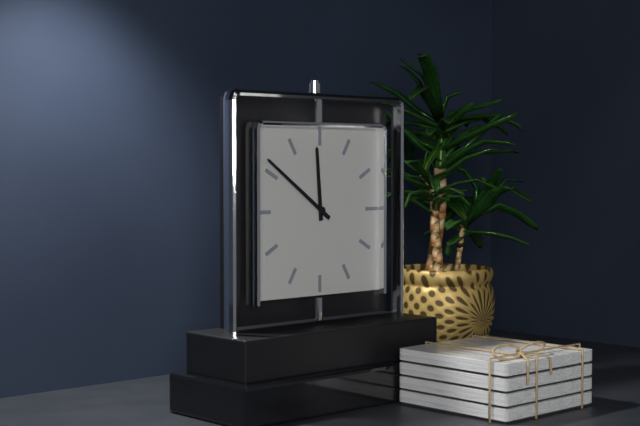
11:51
